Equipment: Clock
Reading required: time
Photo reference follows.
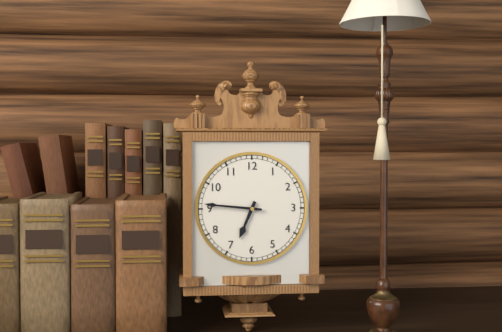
6:46
